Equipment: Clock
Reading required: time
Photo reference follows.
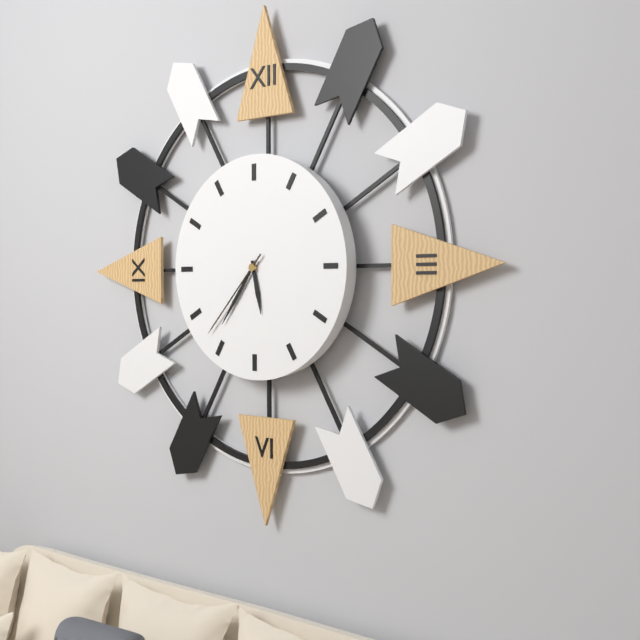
5:36:37
